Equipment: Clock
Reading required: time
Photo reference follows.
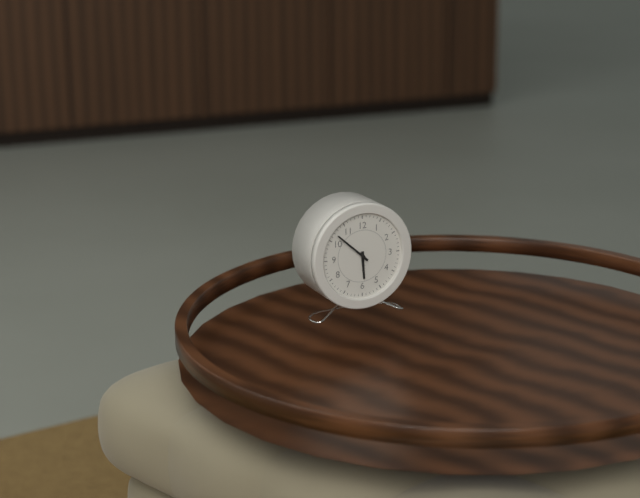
5:52
